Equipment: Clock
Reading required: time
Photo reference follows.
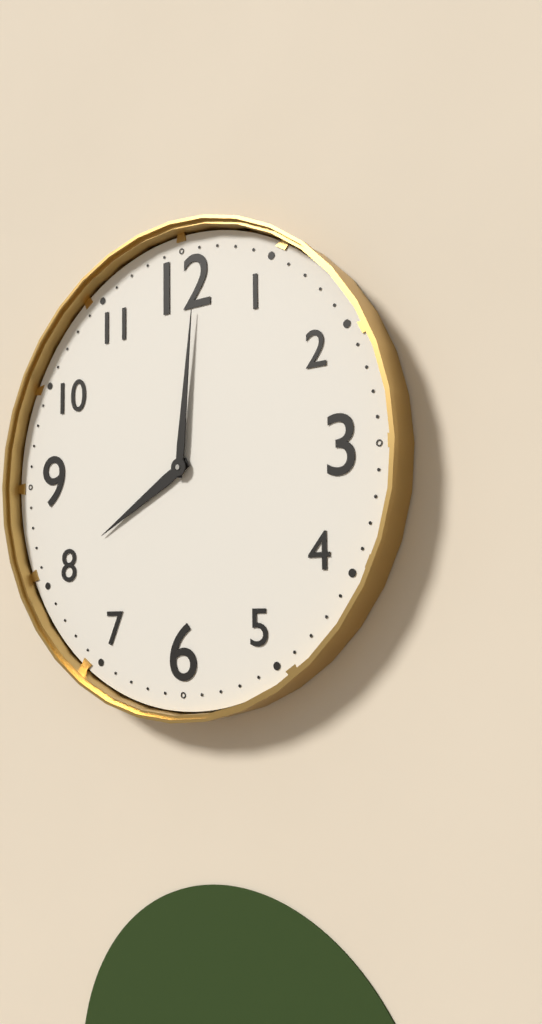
8:01
